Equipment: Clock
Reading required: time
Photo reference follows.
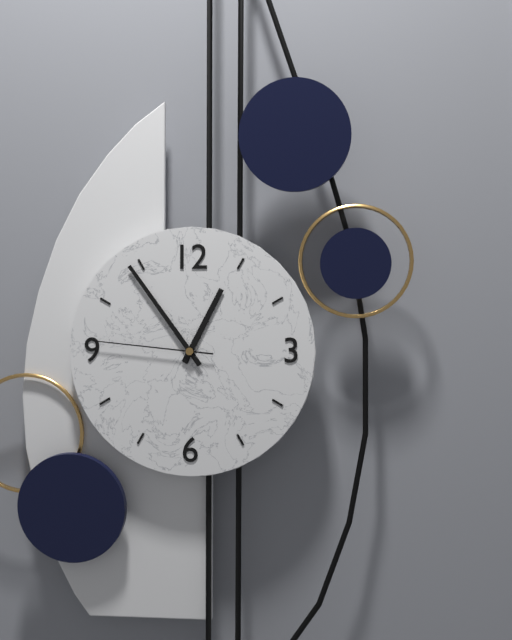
12:54:46
